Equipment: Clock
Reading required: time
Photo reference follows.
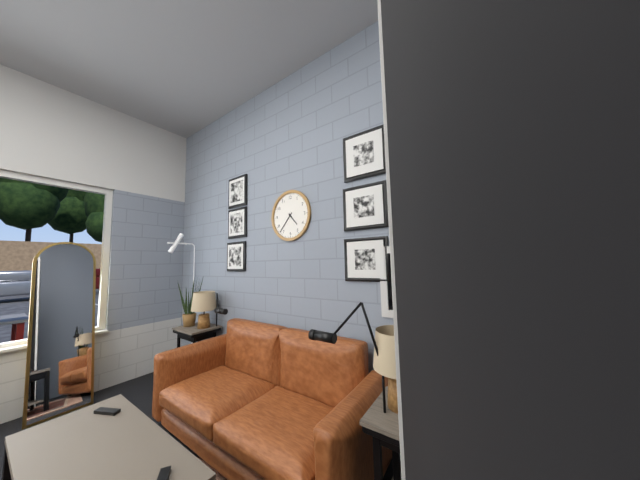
4:37
